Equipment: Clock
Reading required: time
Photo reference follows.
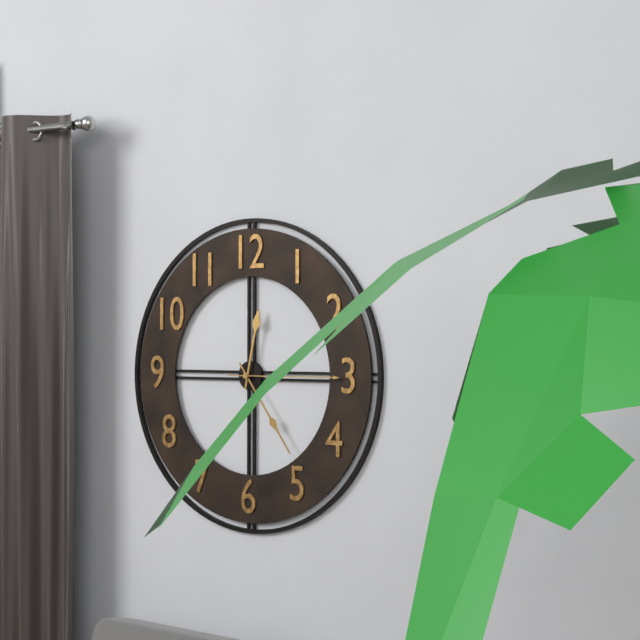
12:24:15
